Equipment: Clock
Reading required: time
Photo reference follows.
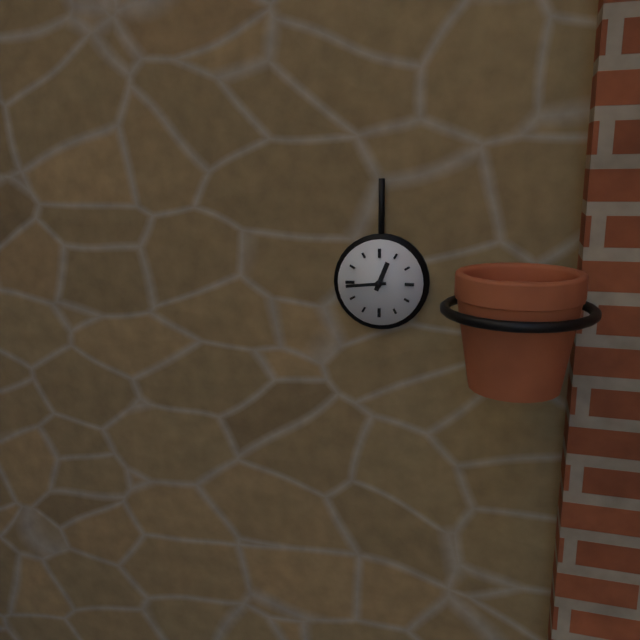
12:44
